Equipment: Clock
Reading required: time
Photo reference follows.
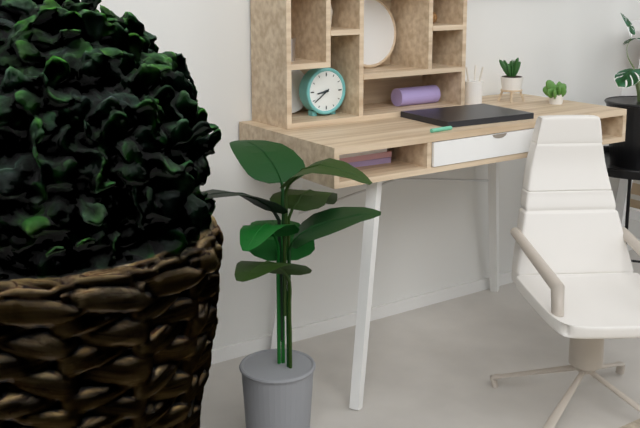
8:39
